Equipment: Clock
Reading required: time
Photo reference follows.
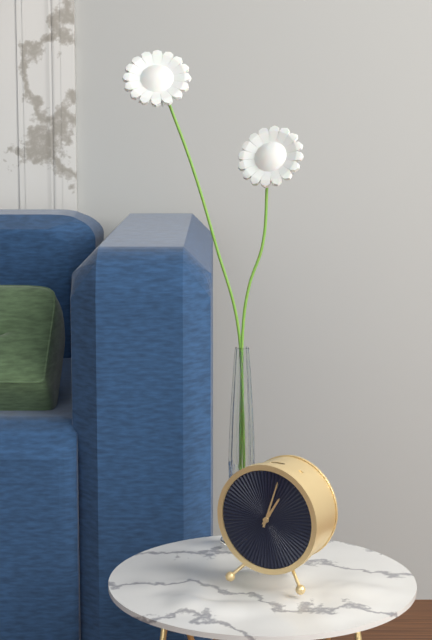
1:03
